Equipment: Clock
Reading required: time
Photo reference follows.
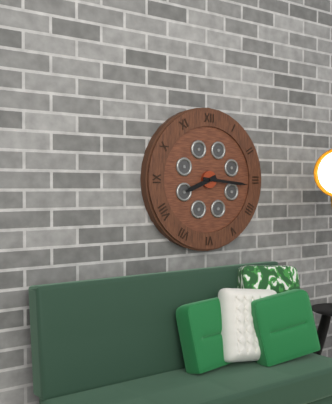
8:16
